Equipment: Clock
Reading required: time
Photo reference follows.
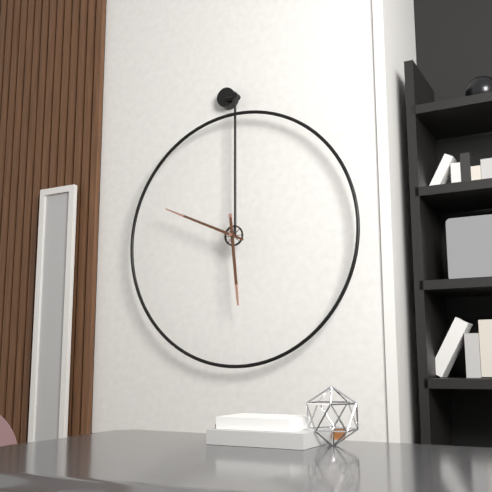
5:49
